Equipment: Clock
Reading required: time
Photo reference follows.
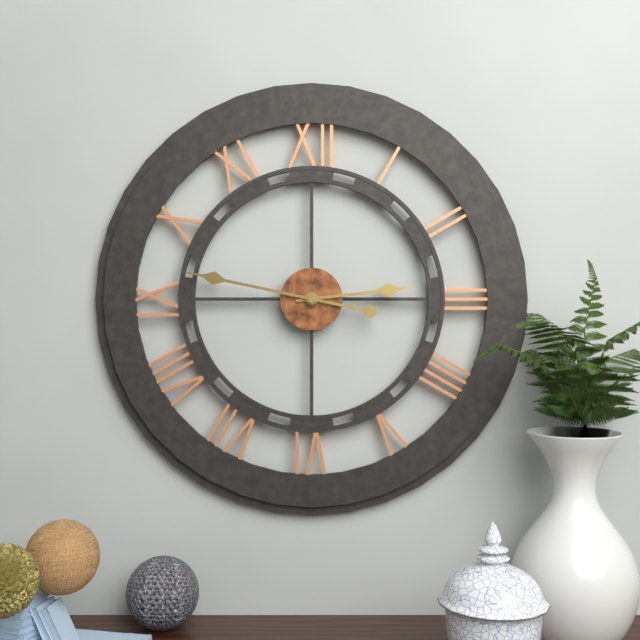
2:47
